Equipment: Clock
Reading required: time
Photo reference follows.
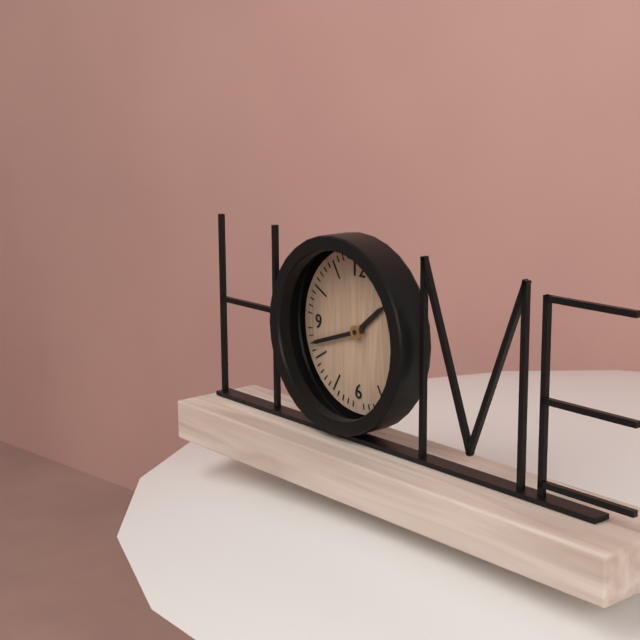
1:42
